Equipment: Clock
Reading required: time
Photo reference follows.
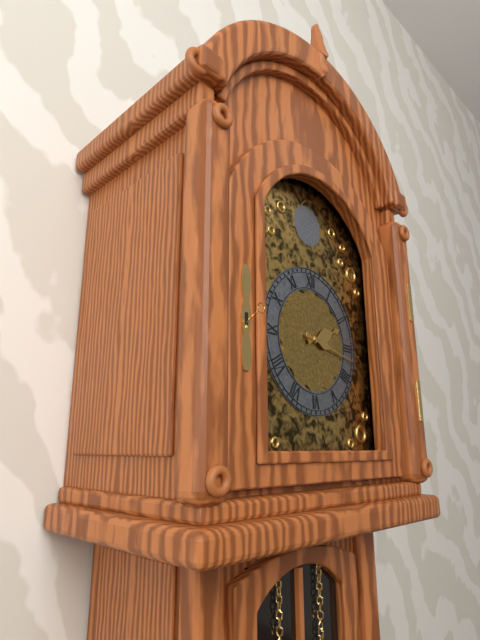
2:17
